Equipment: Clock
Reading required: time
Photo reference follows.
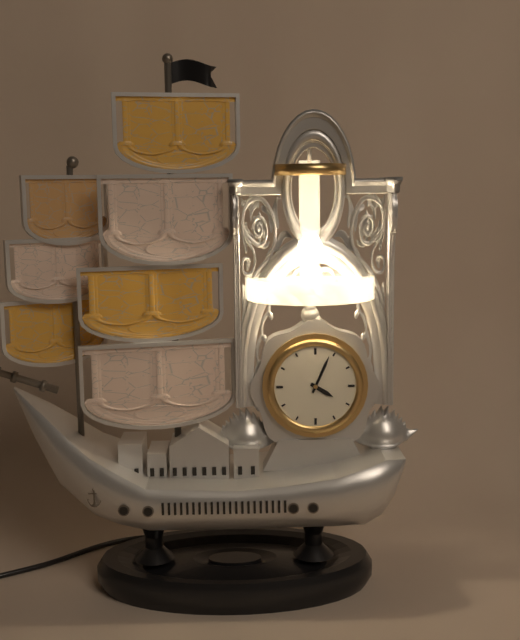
4:04
